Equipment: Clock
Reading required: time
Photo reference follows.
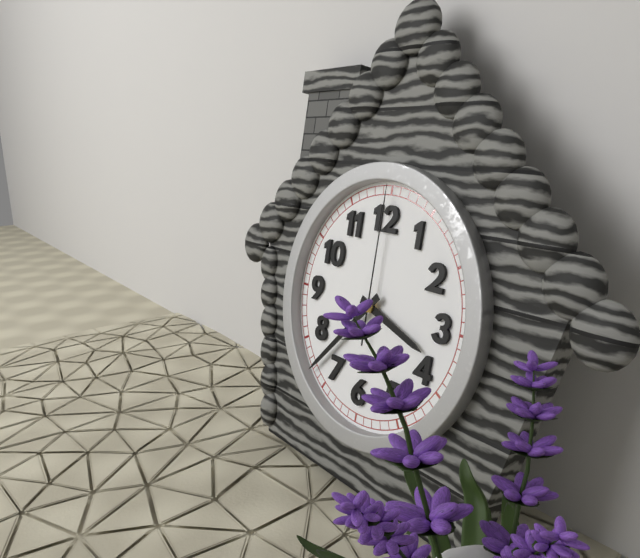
3:37:00
